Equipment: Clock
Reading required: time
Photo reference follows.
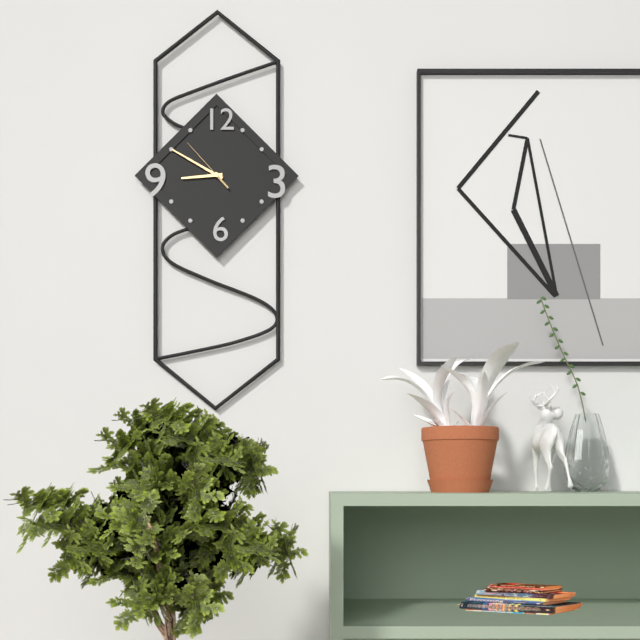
8:50:53
